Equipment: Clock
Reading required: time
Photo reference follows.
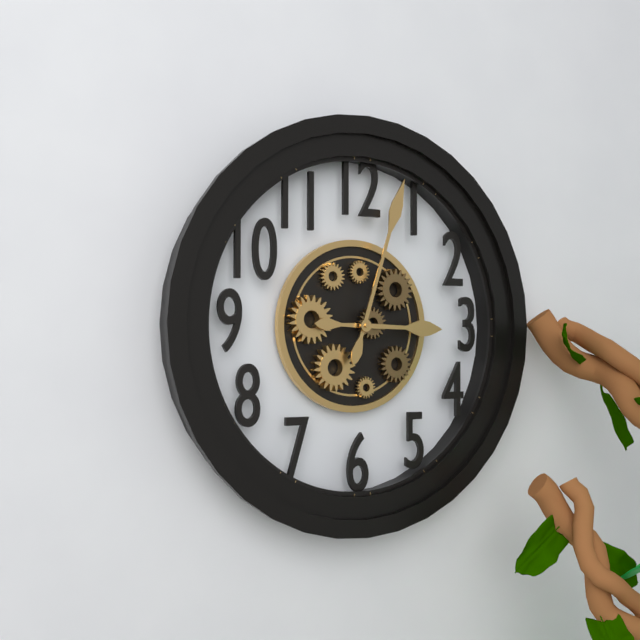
3:03
